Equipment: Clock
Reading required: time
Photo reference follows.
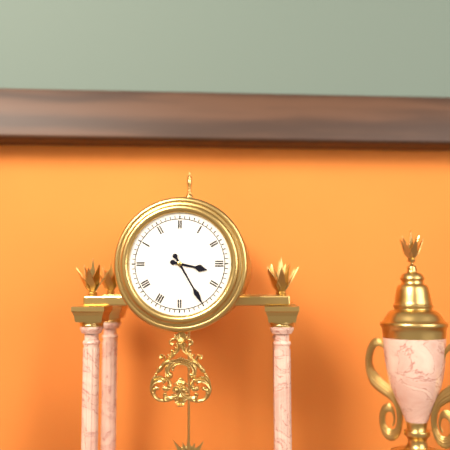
3:25
